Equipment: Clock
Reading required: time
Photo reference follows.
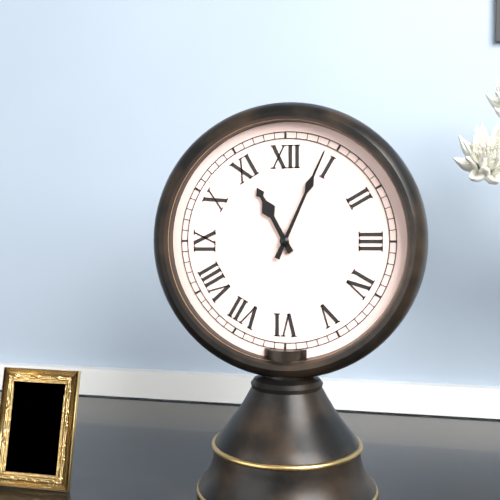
11:04
